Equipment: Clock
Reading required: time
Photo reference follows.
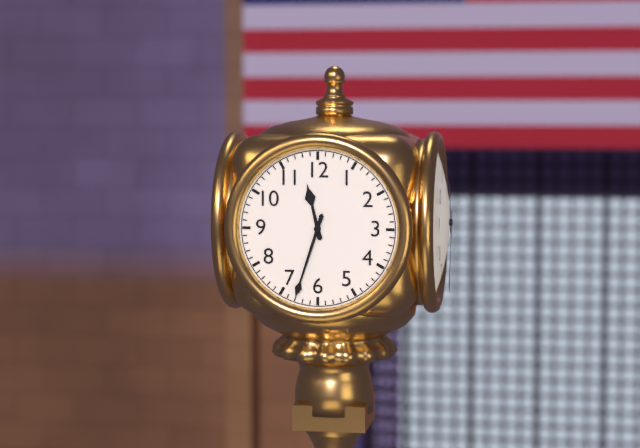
11:33
